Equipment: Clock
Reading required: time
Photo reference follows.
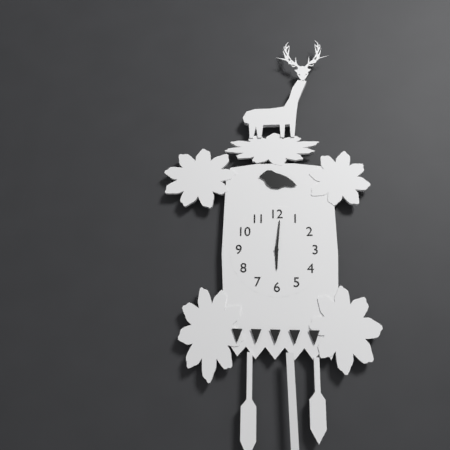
6:01
